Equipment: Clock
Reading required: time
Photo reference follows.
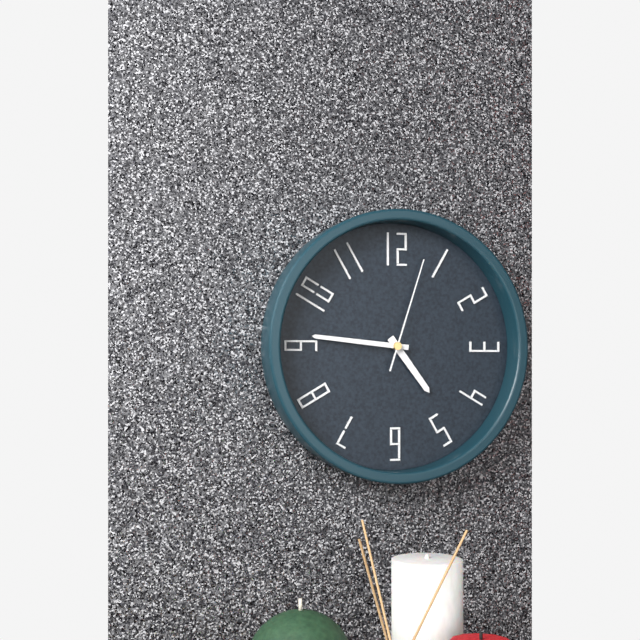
4:46:03
